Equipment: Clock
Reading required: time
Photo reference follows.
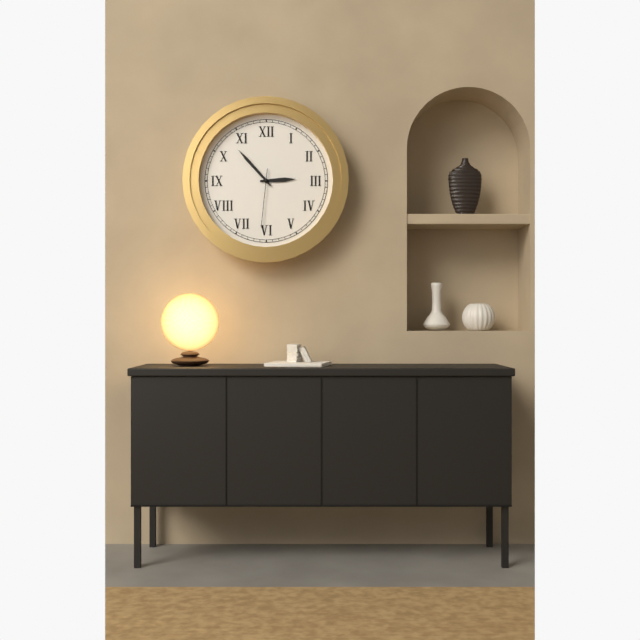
2:53:31
